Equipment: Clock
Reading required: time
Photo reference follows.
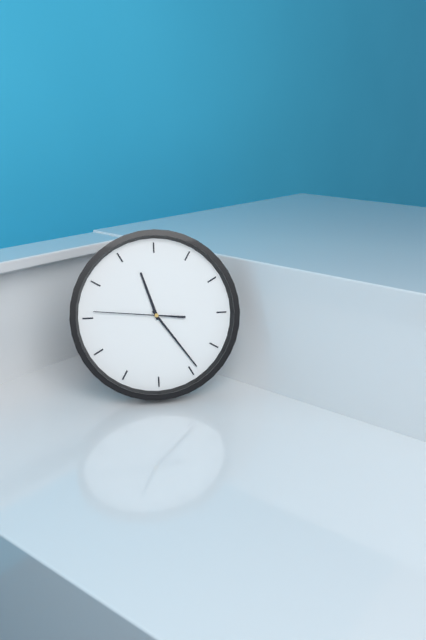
11:24:46
